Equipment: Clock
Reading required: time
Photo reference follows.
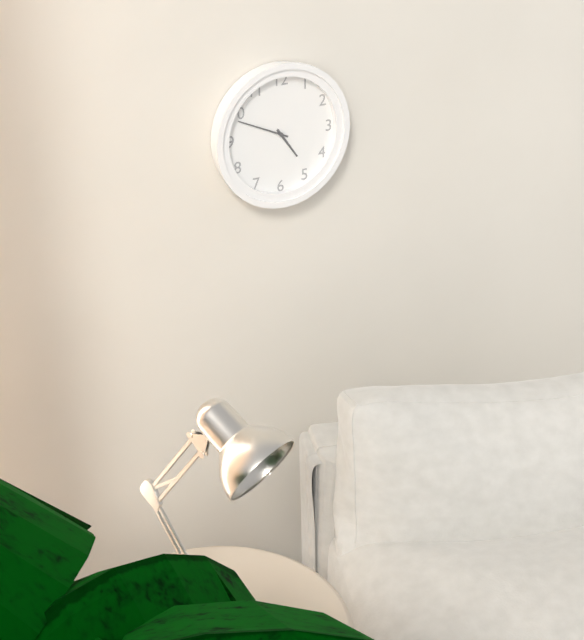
4:49
